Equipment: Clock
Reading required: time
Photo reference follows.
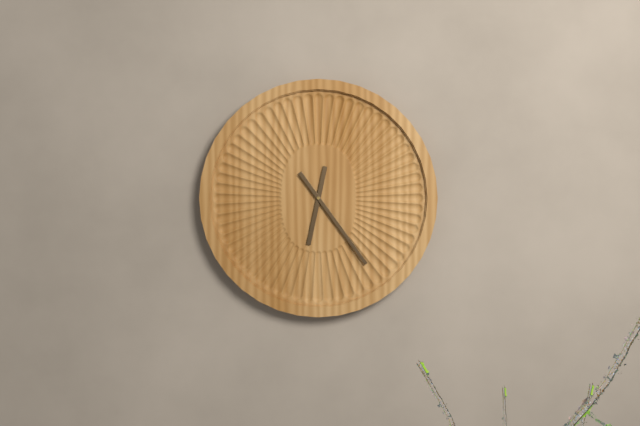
6:24
